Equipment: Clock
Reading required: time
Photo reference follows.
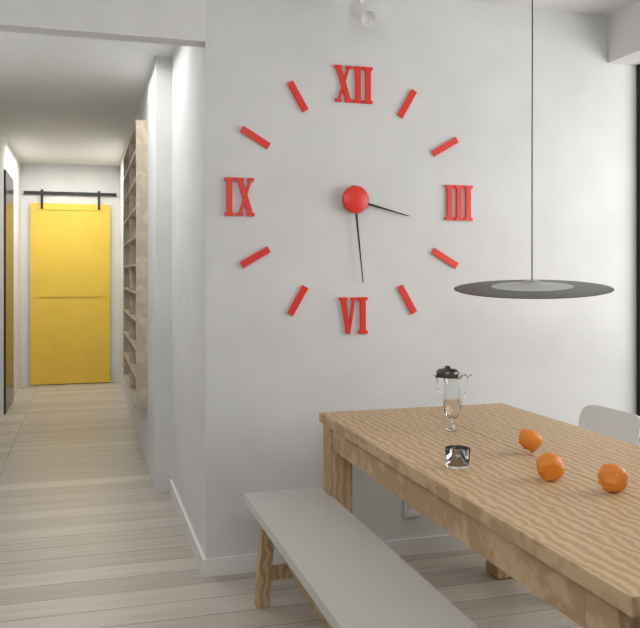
3:29
